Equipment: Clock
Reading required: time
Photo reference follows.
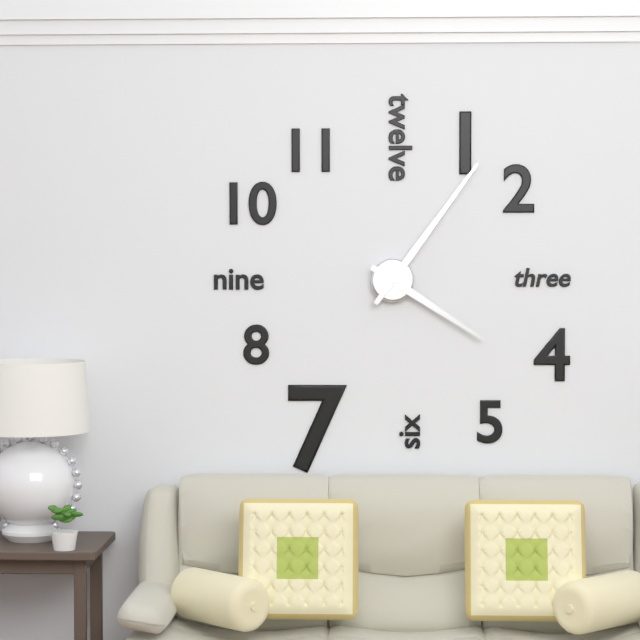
4:06
